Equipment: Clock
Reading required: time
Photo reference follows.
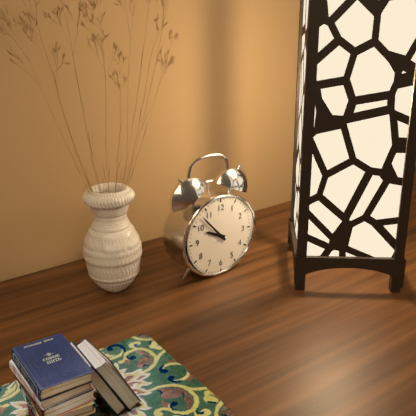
9:53
